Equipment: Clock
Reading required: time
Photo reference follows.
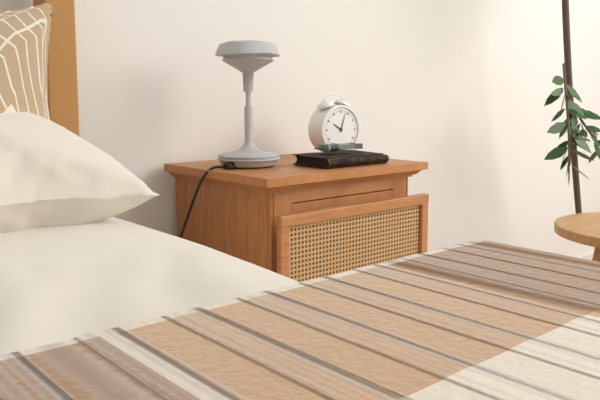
10:03
